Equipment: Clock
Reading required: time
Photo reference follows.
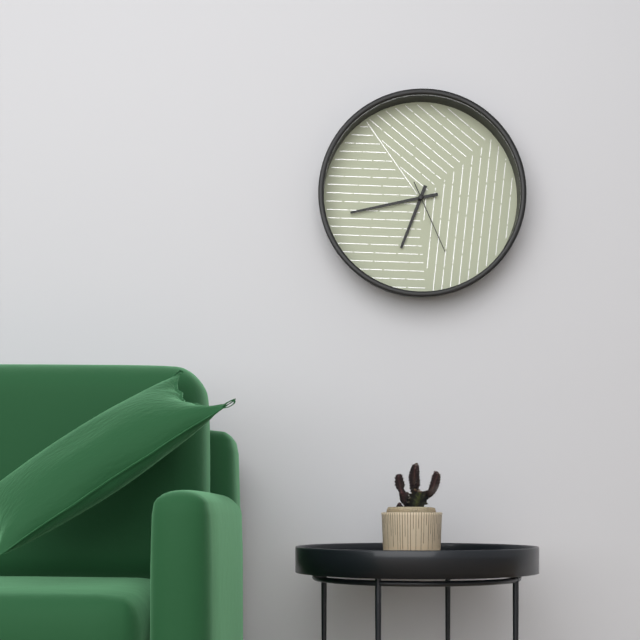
6:43:26
